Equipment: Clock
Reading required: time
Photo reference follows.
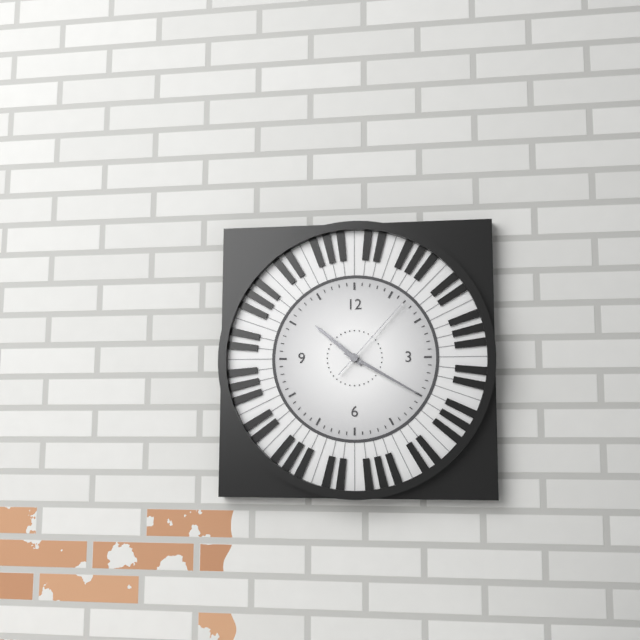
10:20:07
